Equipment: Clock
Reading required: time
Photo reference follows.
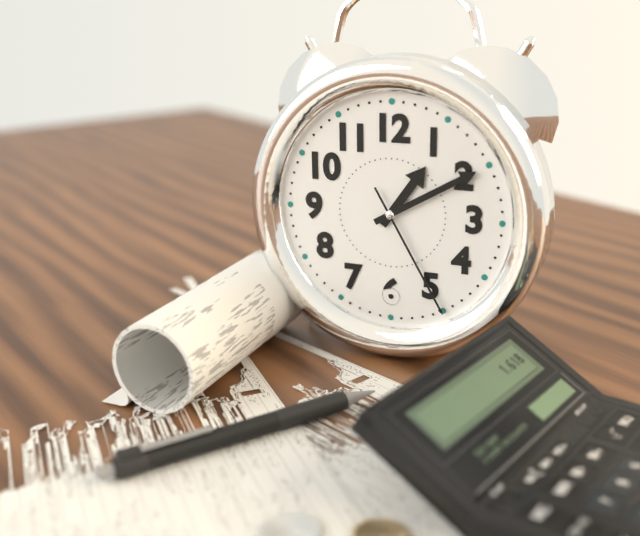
1:10:25
